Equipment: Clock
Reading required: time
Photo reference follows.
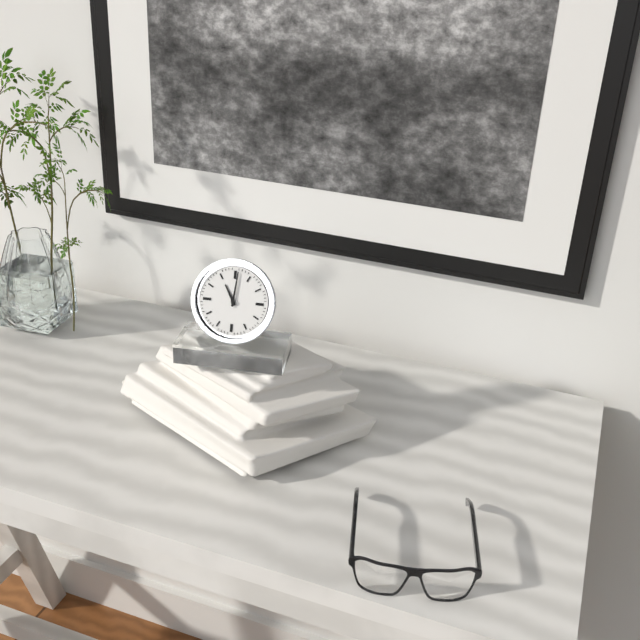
11:01
